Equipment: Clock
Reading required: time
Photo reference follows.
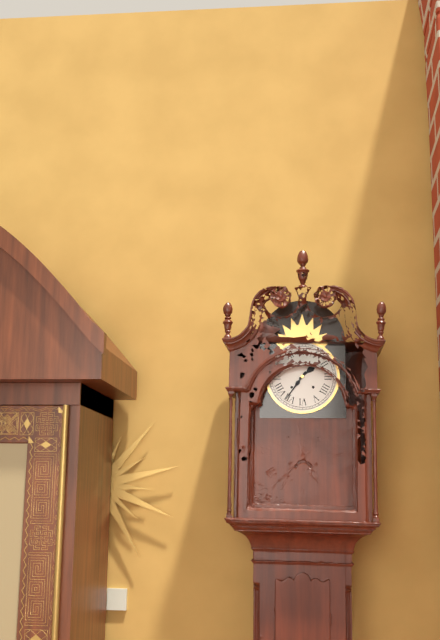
1:36
